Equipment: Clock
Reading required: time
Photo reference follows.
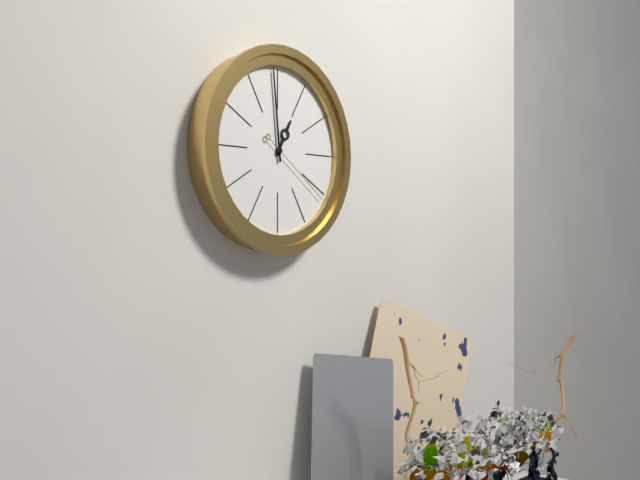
12:59:21
